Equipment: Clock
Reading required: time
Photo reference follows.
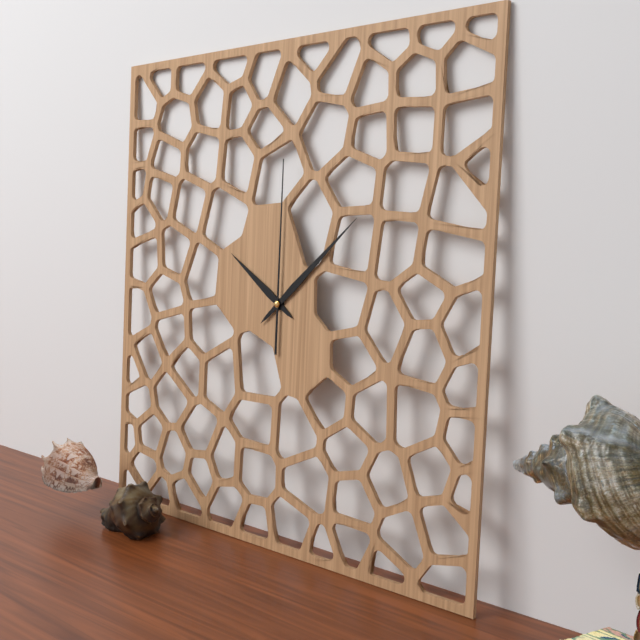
10:08:00
